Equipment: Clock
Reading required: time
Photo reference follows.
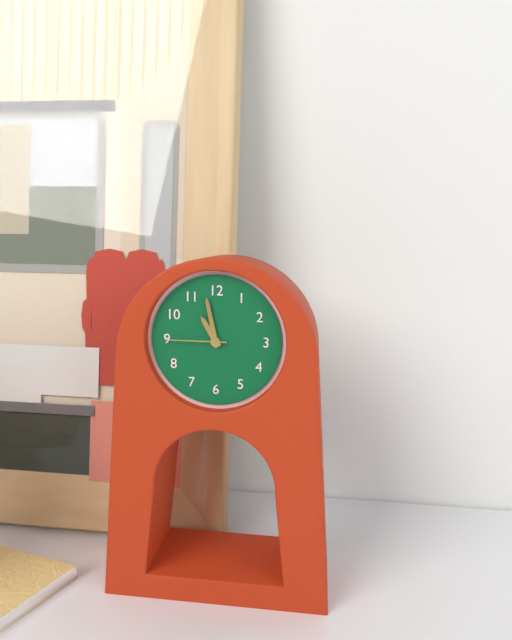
10:58:45
